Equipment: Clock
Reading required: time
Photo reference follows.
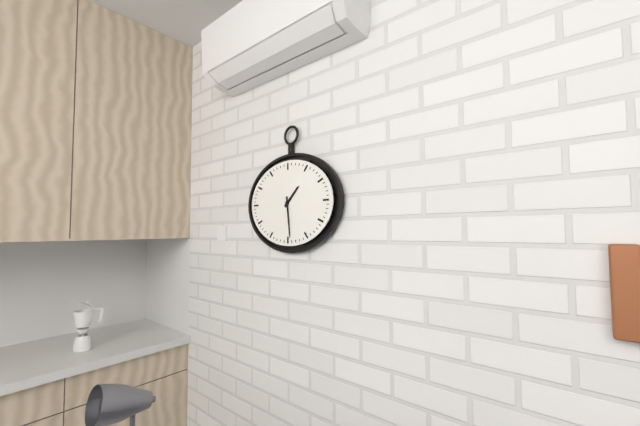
1:29
